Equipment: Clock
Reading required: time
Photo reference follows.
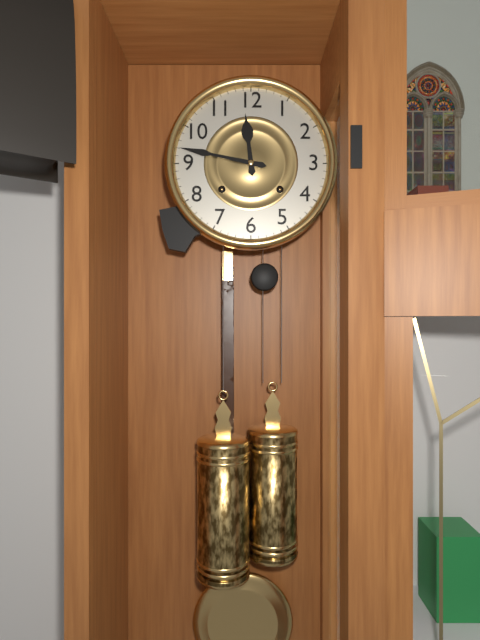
11:47
